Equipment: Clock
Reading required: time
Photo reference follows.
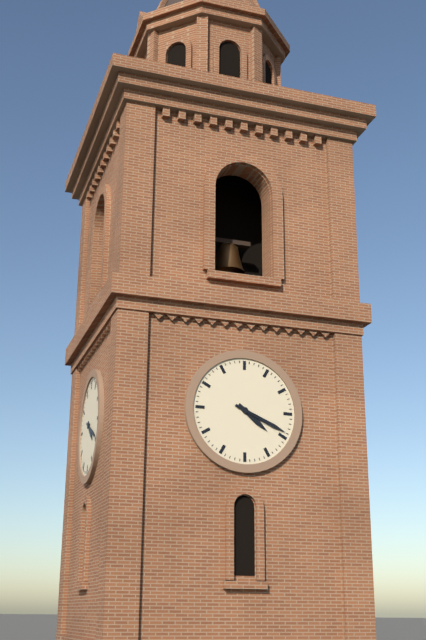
4:19
